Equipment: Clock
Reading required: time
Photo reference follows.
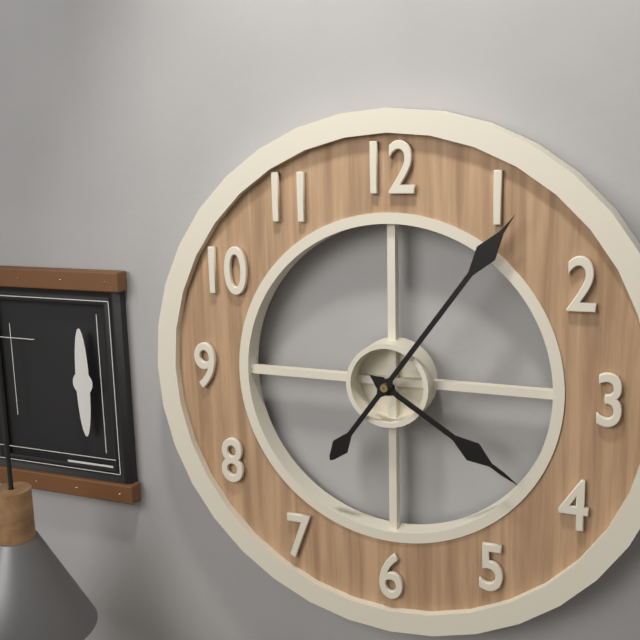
4:06
